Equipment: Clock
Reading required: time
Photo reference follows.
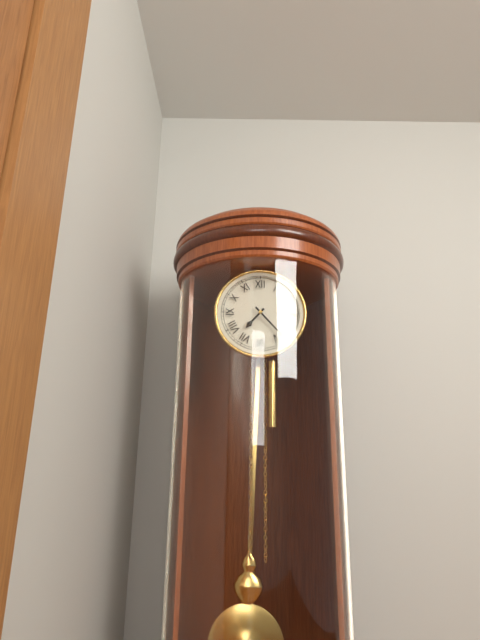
7:23
